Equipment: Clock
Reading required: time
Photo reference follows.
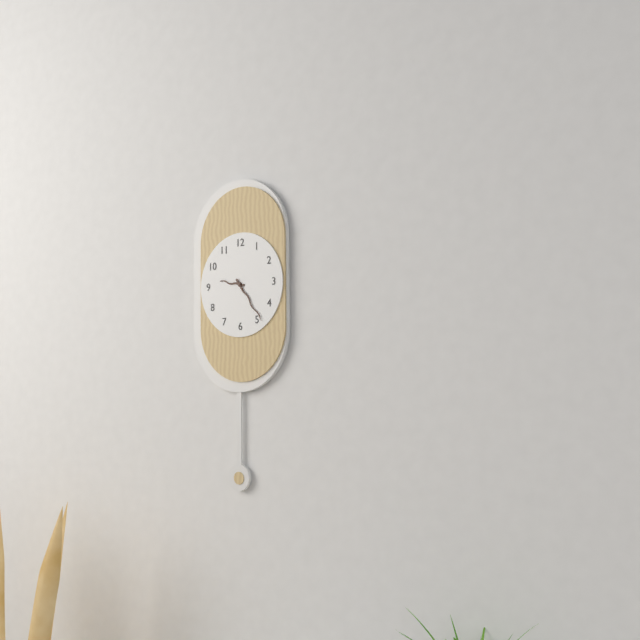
9:24
